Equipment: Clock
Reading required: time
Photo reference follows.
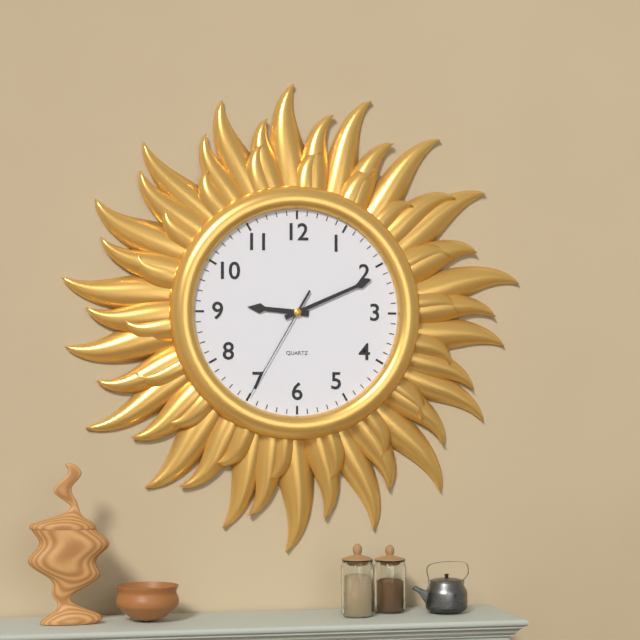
9:11:35
